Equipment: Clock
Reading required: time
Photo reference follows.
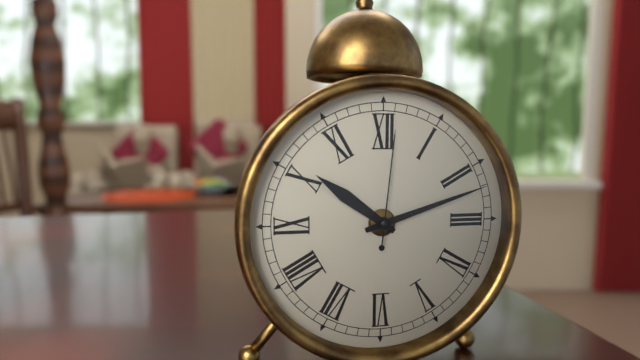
10:12:01
